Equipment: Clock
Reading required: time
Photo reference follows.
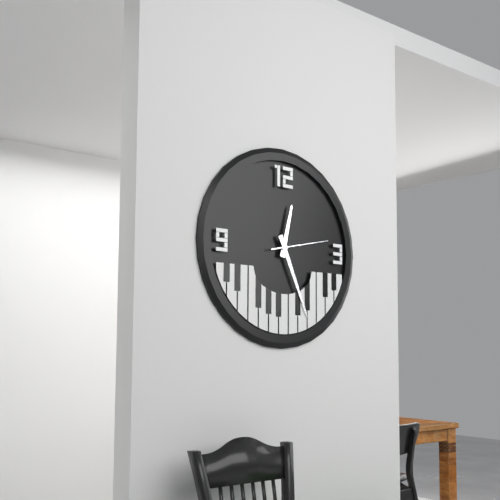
12:26:13
